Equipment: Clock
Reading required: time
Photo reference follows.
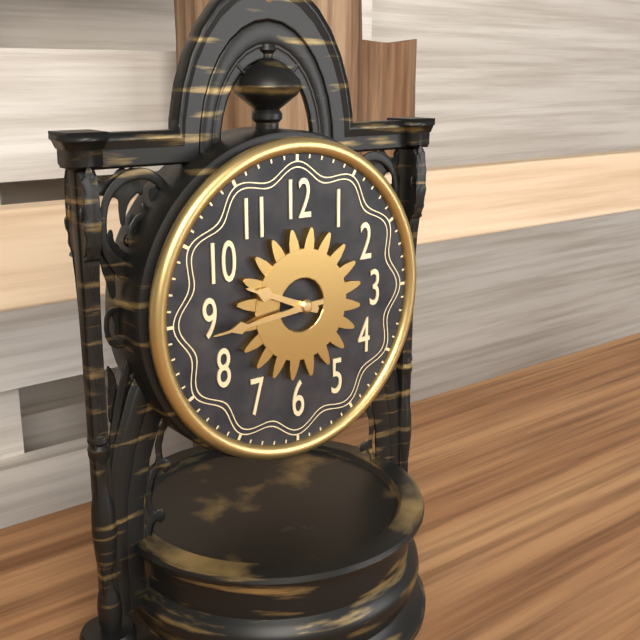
9:44
